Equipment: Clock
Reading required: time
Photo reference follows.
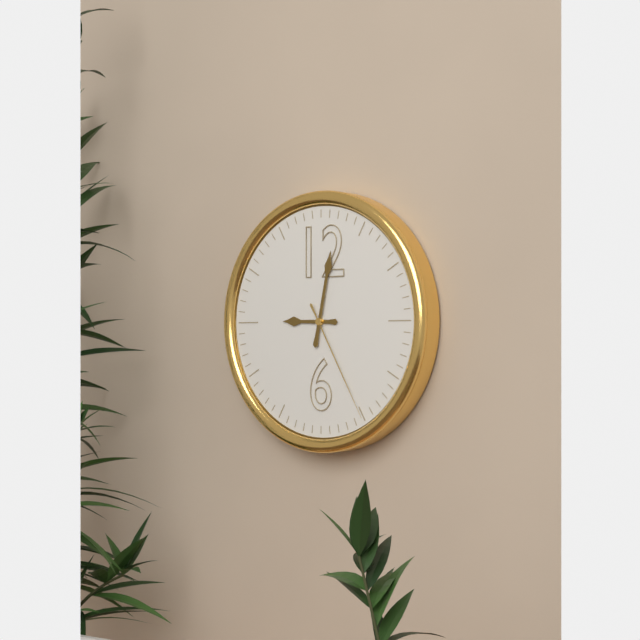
9:02:25
